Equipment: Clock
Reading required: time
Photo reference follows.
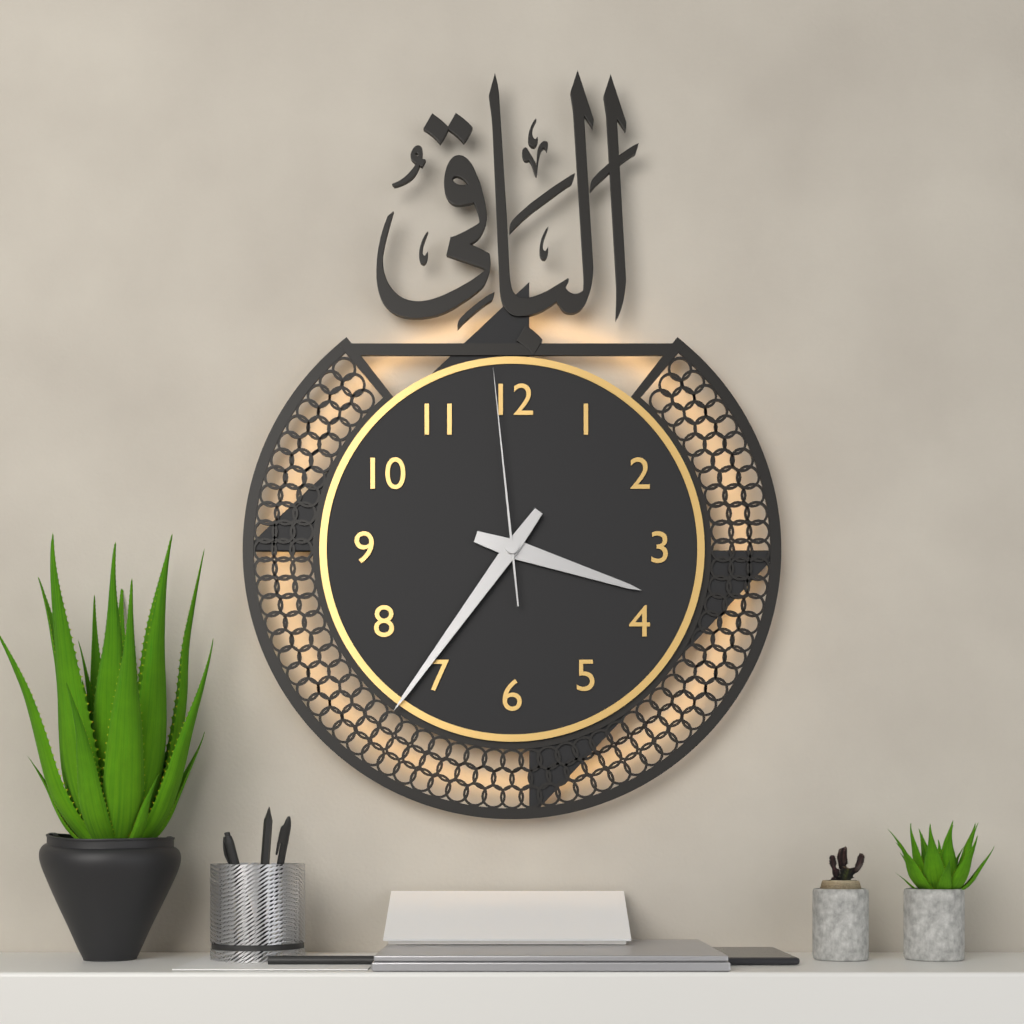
3:36:59
